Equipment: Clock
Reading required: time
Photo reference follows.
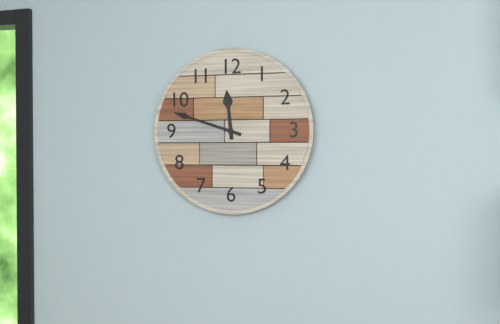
11:48
